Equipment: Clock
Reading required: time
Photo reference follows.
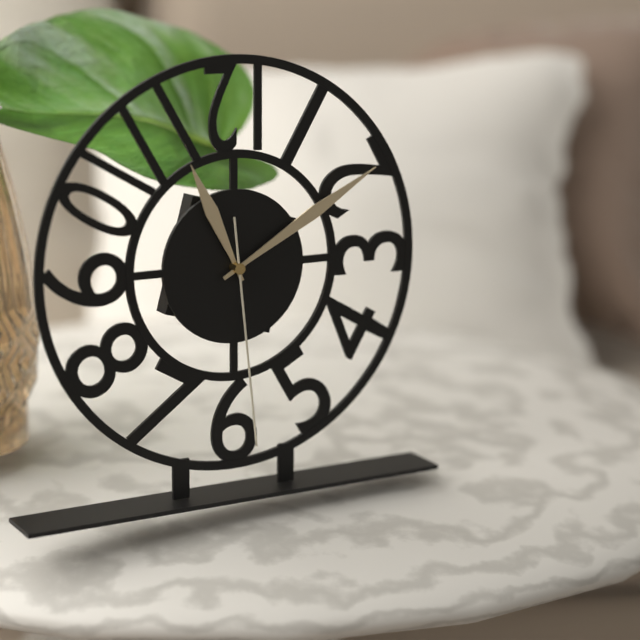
11:10:29
